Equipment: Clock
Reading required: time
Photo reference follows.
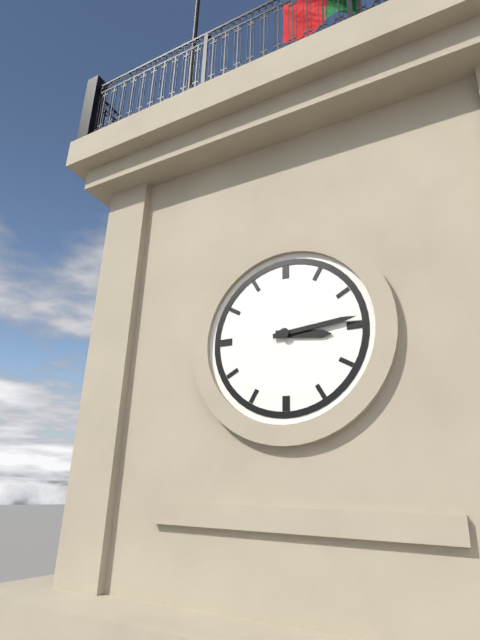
3:14
